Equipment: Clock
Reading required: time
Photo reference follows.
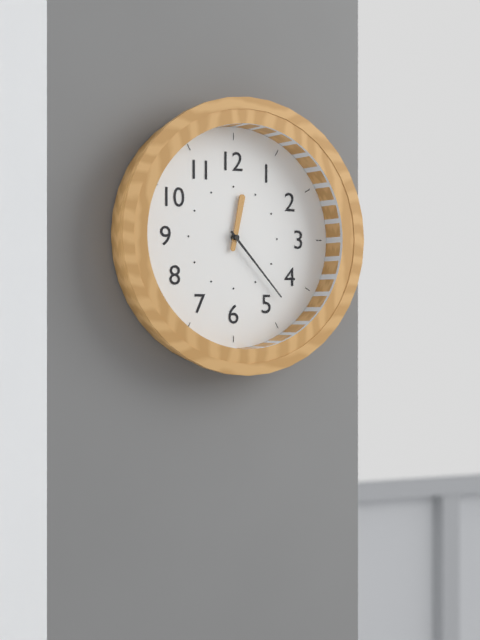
12:23
